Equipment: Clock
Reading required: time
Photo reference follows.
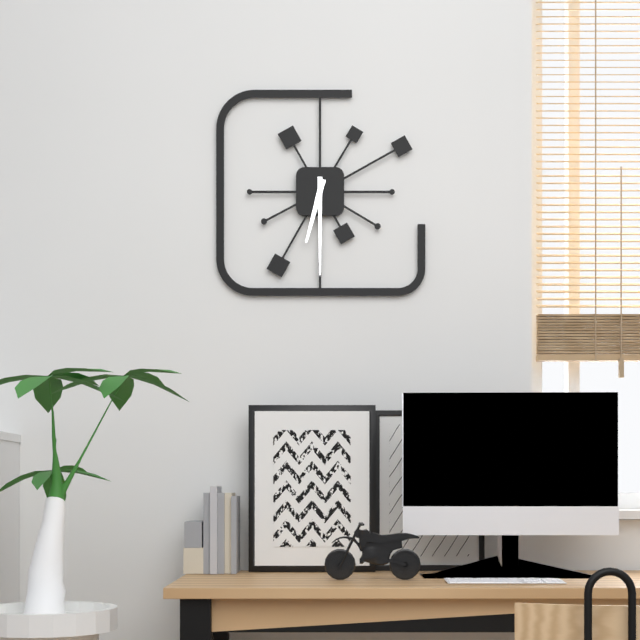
6:30
